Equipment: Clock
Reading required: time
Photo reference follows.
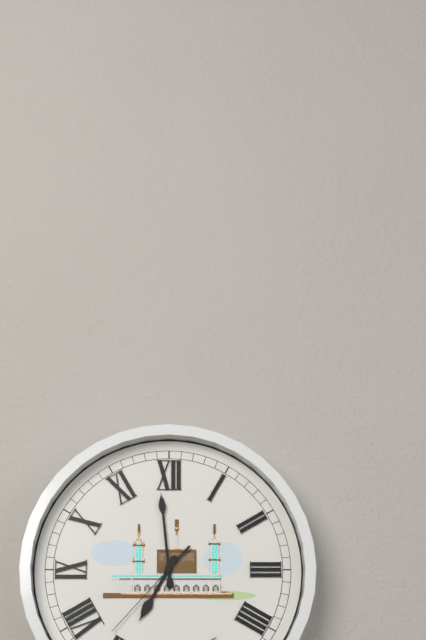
6:59:37
